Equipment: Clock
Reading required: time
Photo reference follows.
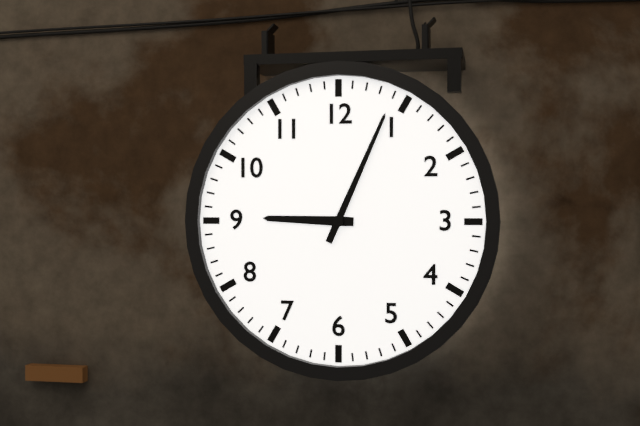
9:04
